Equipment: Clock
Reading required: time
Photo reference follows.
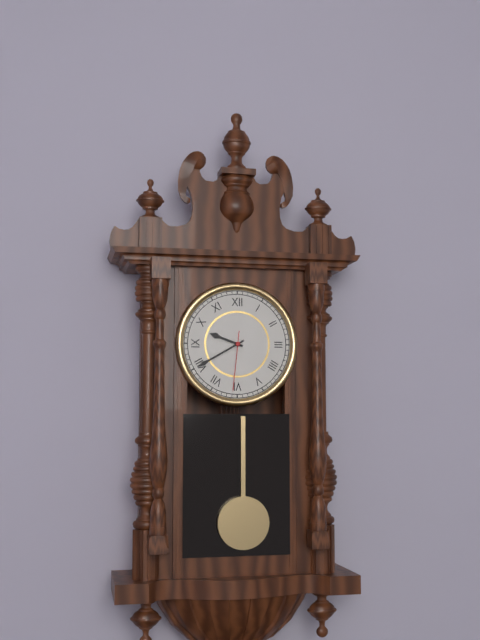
9:40:31
